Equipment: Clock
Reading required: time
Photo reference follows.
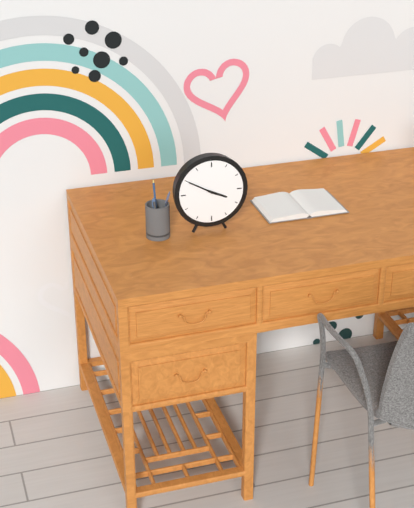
3:50
